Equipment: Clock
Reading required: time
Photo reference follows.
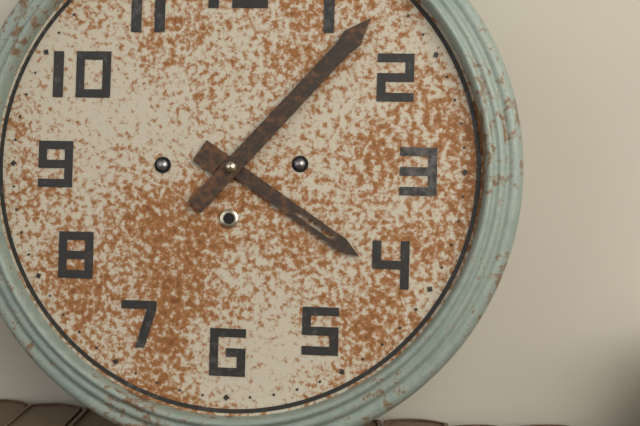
4:07
